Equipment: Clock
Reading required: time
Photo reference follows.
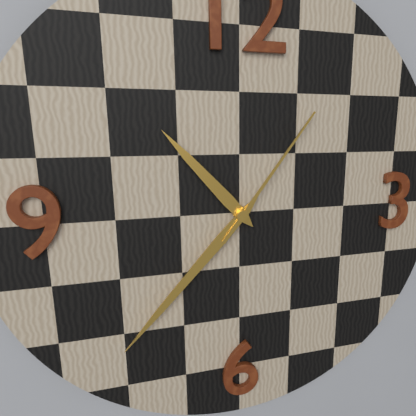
10:37:06
